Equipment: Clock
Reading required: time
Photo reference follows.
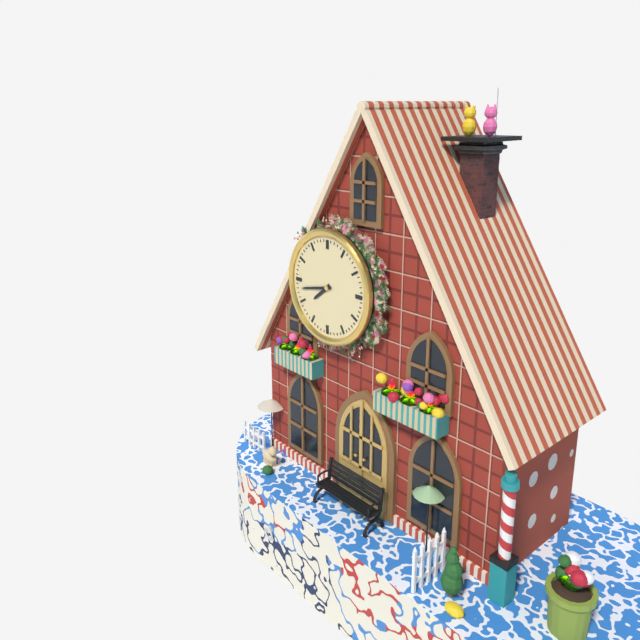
7:43
